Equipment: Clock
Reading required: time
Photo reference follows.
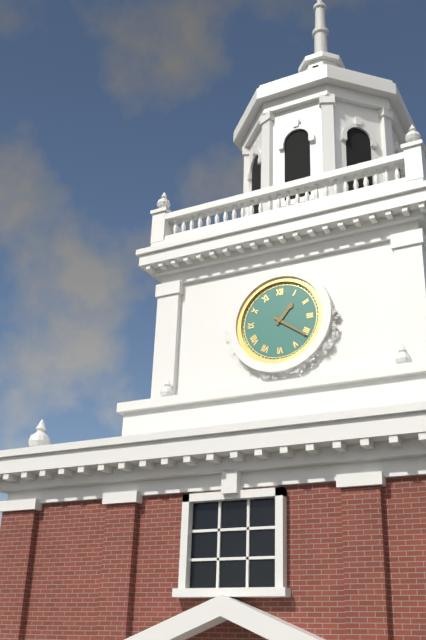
1:21
